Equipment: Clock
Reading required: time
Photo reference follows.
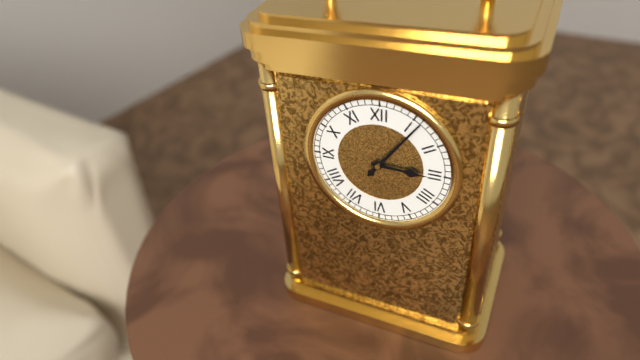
3:06
